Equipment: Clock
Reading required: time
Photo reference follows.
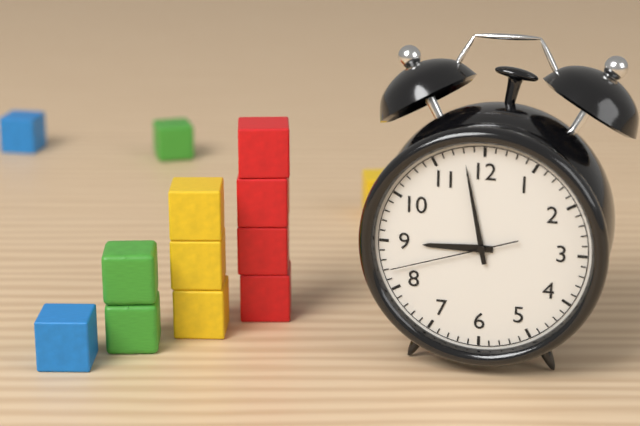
8:58:42
